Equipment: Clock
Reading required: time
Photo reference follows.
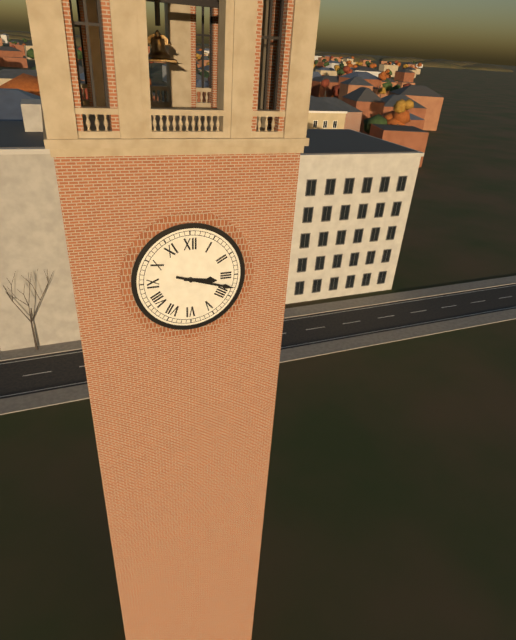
3:18
